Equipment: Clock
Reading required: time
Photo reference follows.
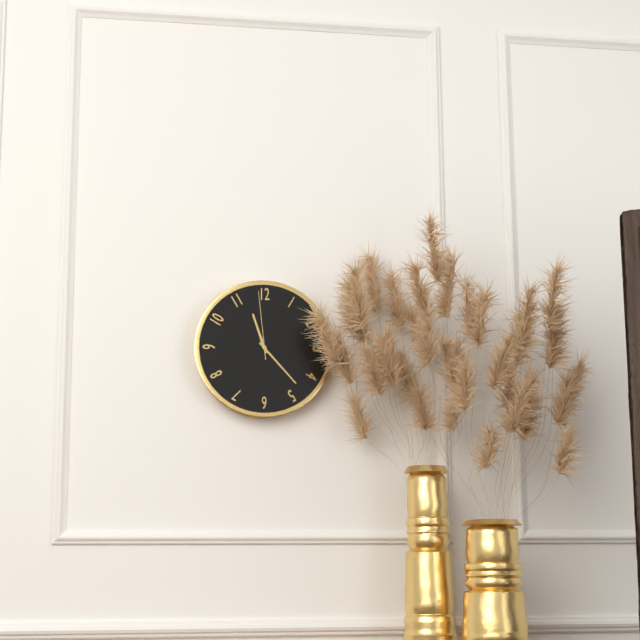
11:23:59
